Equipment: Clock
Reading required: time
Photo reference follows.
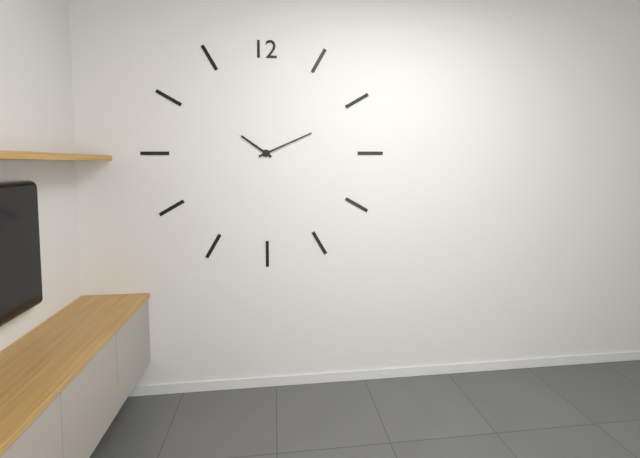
10:11
